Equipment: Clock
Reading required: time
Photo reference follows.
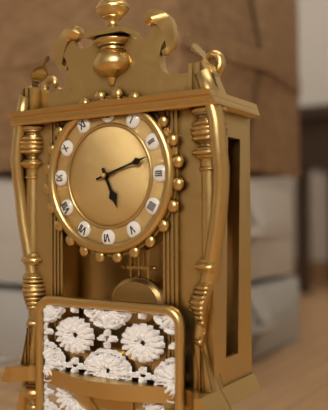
5:12
